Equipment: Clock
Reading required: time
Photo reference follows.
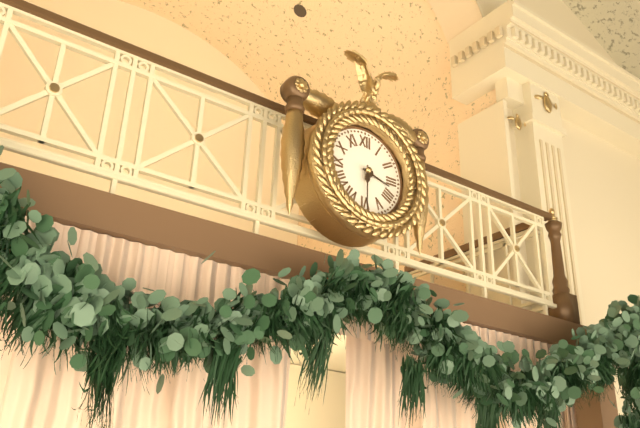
3:30
